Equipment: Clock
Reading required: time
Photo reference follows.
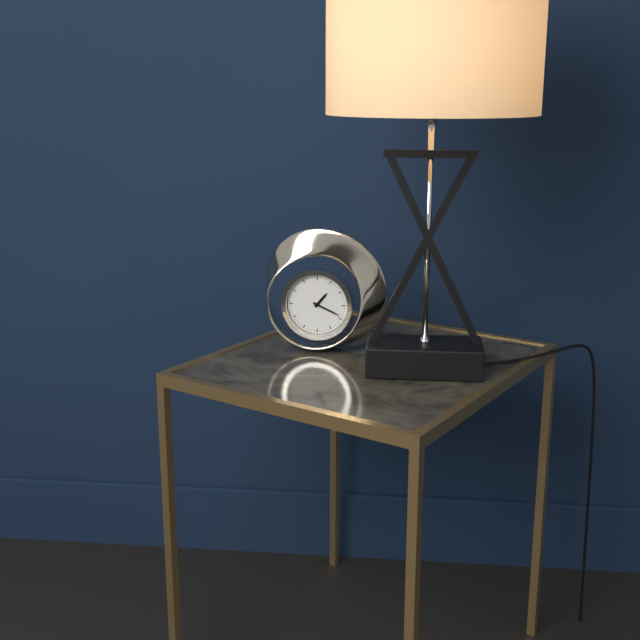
1:19
